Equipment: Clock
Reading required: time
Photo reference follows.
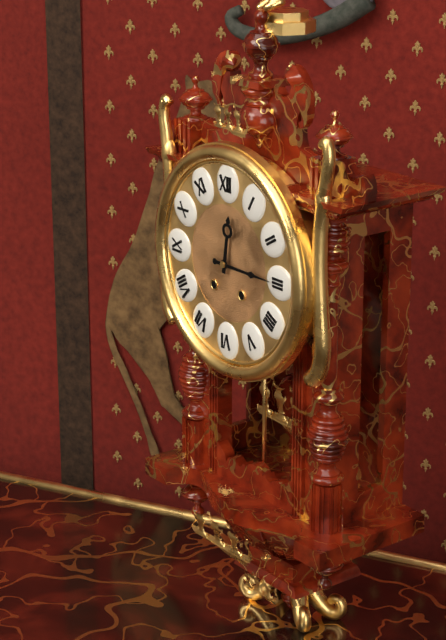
12:15
